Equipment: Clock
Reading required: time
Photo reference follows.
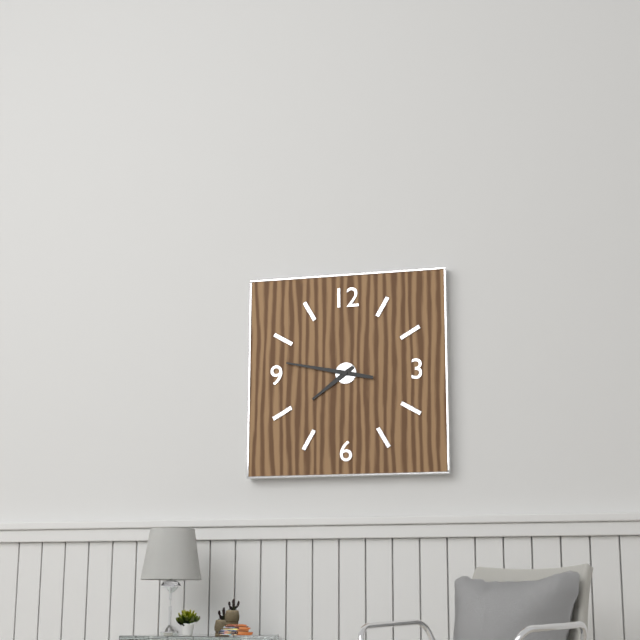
7:47
